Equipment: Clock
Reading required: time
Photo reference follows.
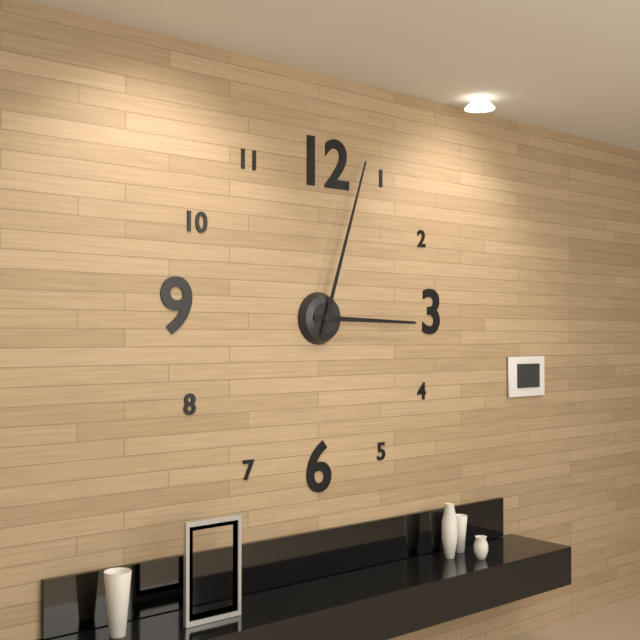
3:03
